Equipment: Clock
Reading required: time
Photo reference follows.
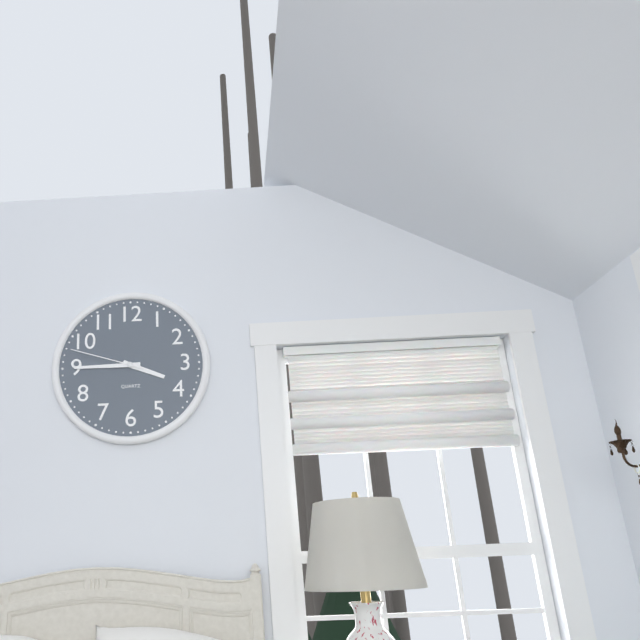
3:45:48
